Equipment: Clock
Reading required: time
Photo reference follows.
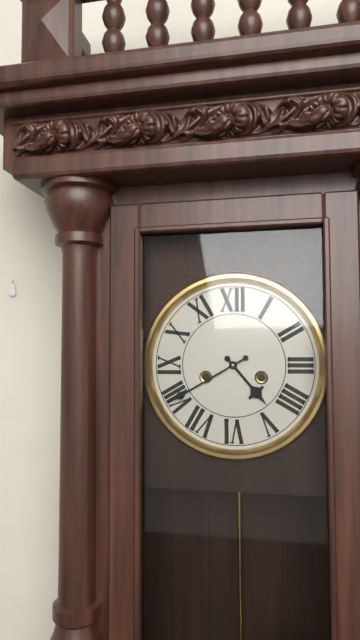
4:40
